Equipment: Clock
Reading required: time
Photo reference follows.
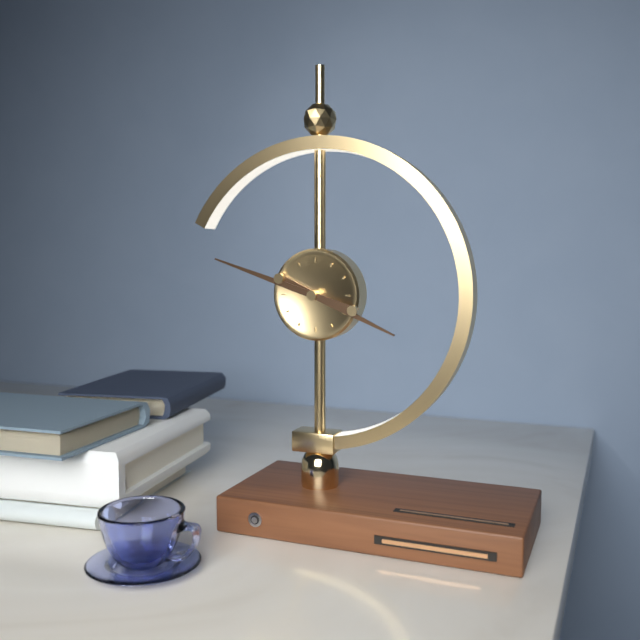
3:48
